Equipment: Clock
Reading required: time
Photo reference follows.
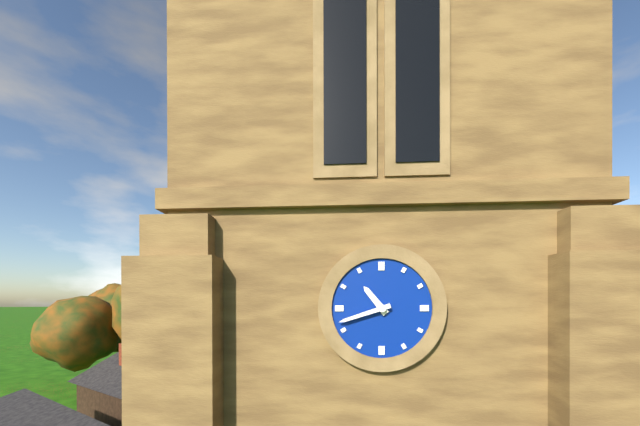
10:42
